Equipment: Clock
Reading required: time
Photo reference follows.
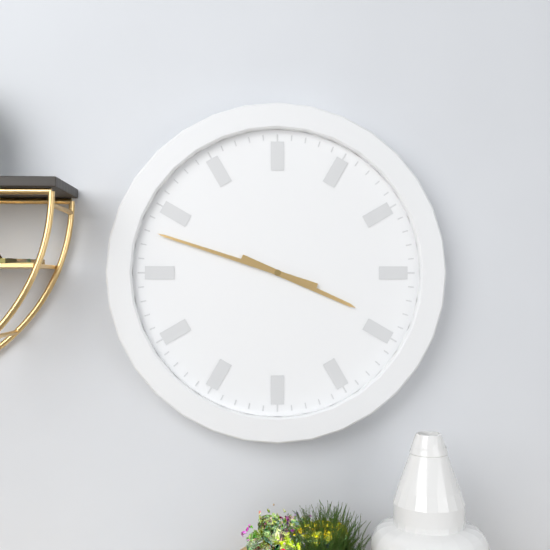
3:48
